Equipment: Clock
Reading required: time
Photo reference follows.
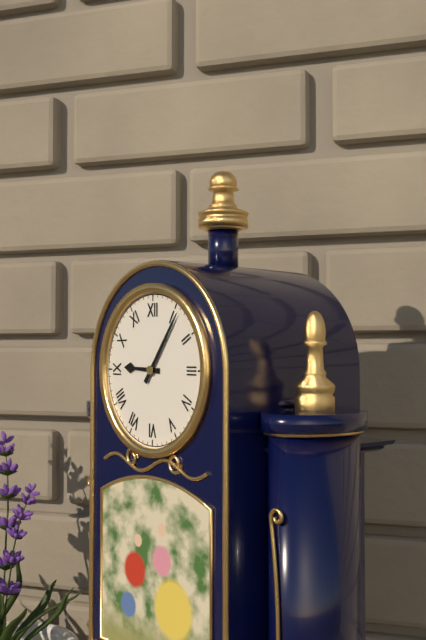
9:06
